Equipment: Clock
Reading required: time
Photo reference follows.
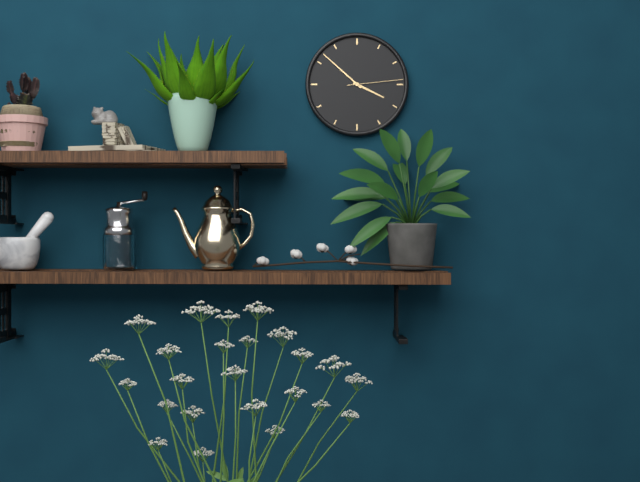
3:52:14
